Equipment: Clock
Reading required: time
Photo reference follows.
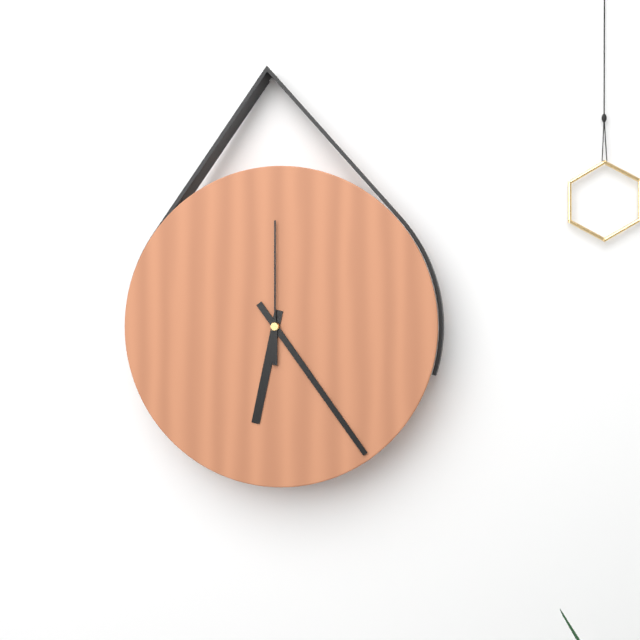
6:24:00
